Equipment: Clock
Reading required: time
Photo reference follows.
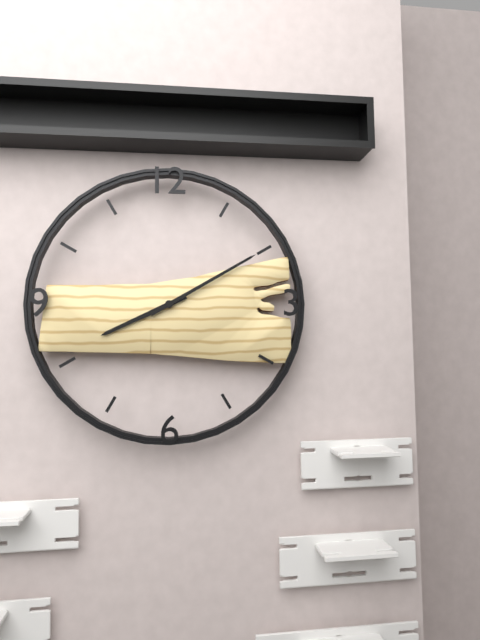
8:10
